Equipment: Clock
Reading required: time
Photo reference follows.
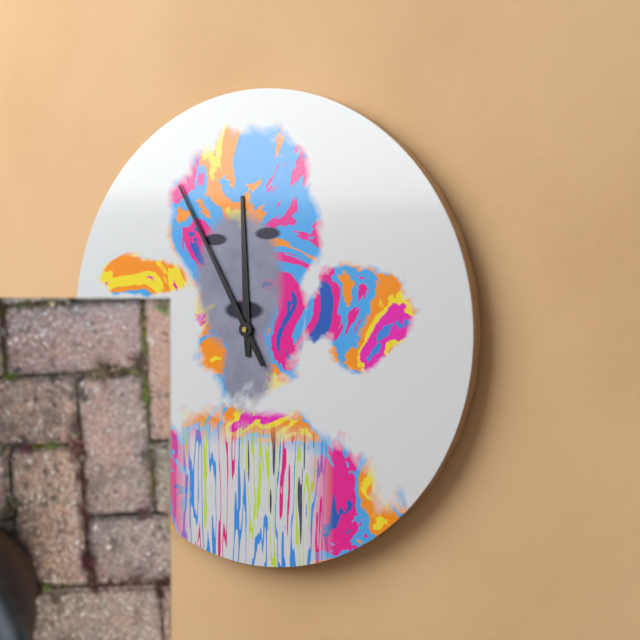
11:55
